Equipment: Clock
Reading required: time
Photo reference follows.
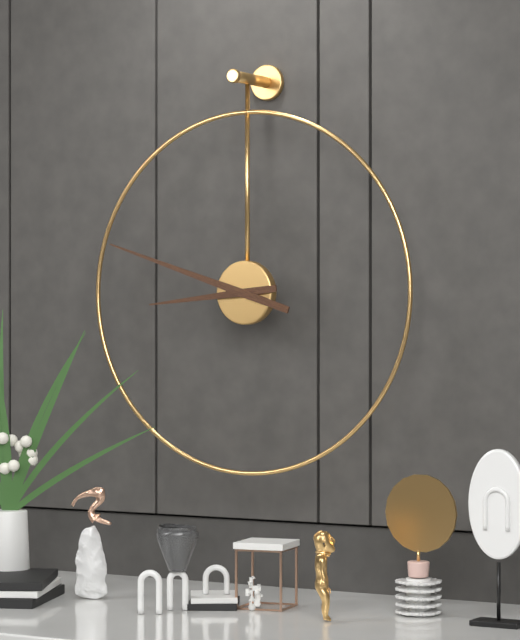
8:48
